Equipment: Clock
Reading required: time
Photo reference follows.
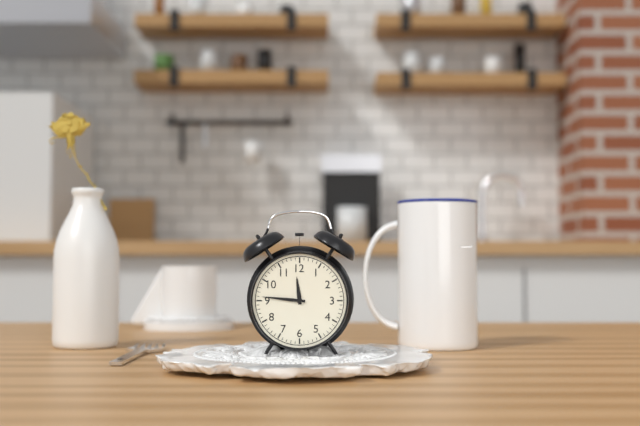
11:46
